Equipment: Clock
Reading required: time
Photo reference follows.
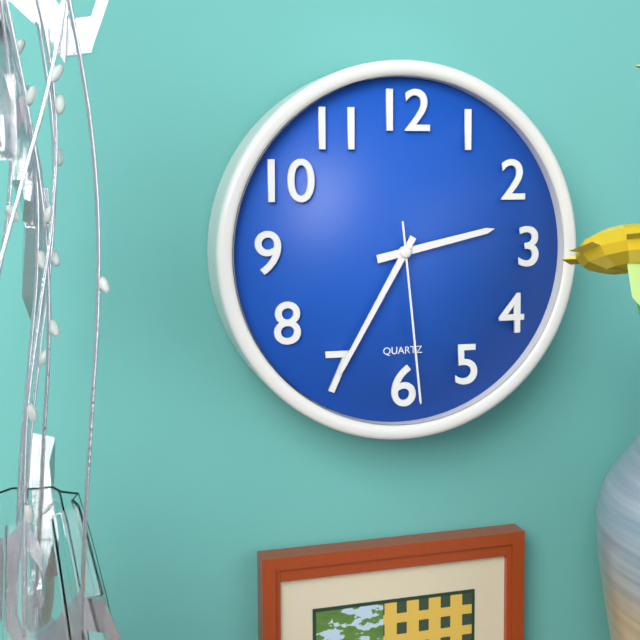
2:35:29
